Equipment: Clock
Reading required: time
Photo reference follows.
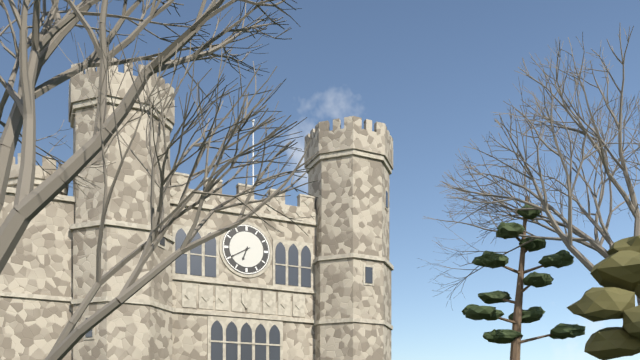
6:40
